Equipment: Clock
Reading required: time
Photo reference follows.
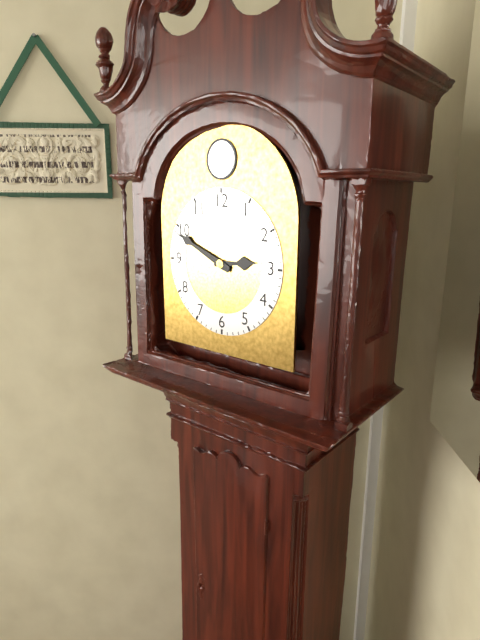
2:49
